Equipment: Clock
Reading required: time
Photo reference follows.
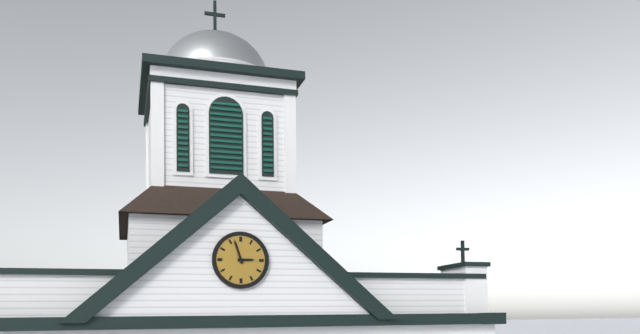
2:57
